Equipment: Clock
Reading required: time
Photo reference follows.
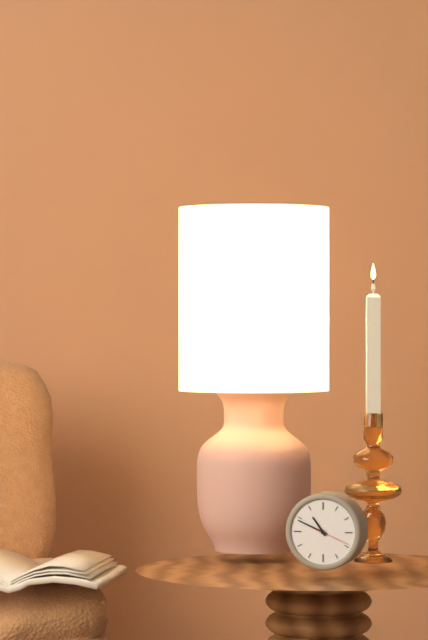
10:49
